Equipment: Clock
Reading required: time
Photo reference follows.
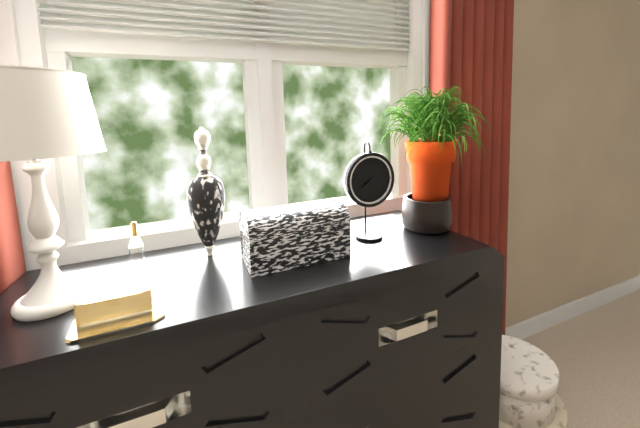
7:48
